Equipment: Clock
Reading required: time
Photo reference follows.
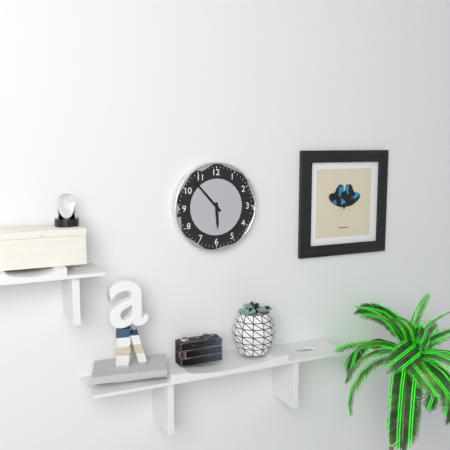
5:53
